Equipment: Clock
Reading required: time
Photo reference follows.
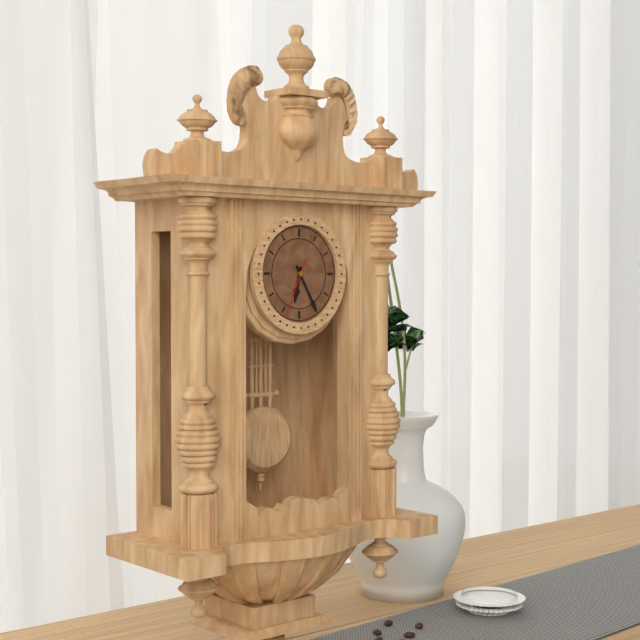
6:25:34
